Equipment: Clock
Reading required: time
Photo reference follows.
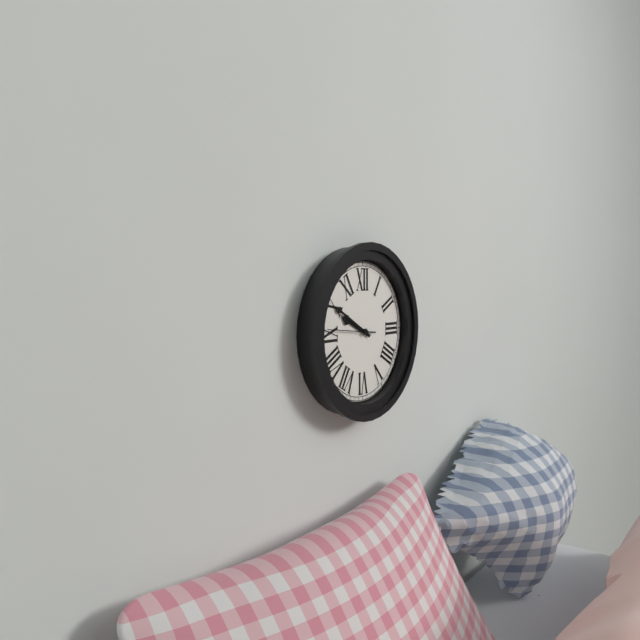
9:50
